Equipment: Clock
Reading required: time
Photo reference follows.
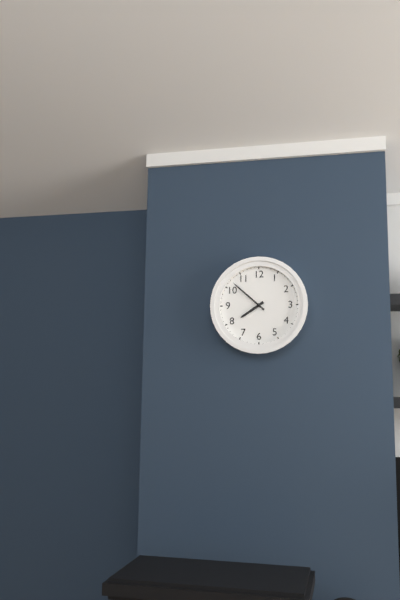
7:52
